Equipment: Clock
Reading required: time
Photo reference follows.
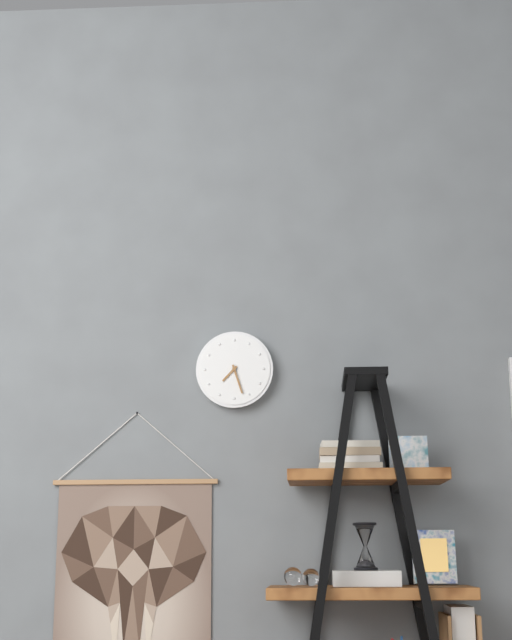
7:27
